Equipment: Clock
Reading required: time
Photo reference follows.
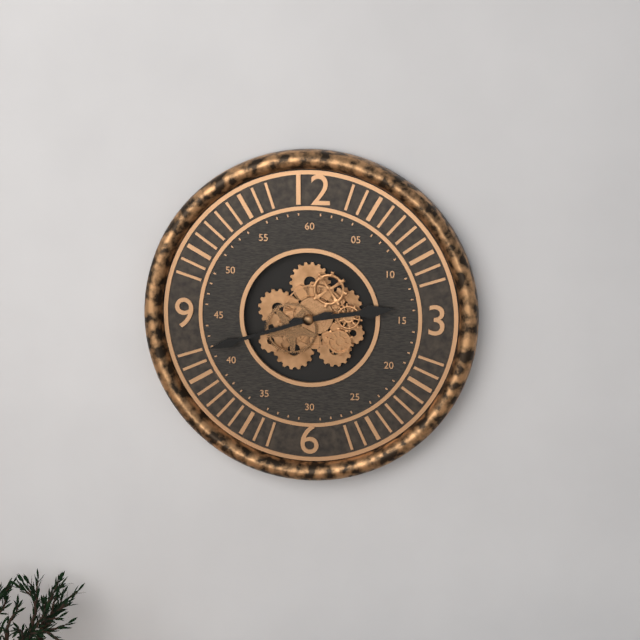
2:42
